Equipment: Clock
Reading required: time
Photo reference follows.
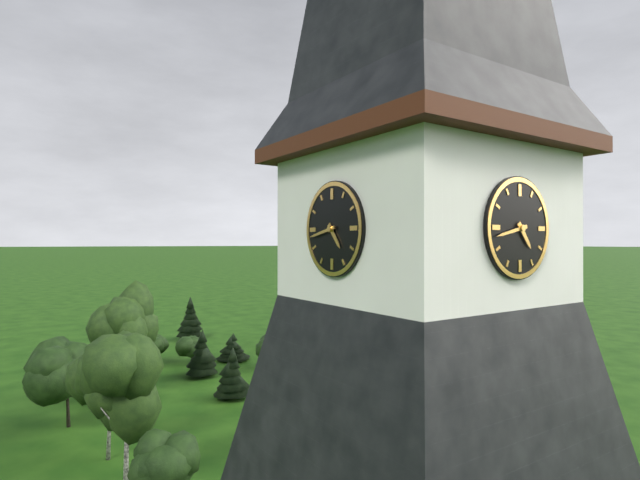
4:43
